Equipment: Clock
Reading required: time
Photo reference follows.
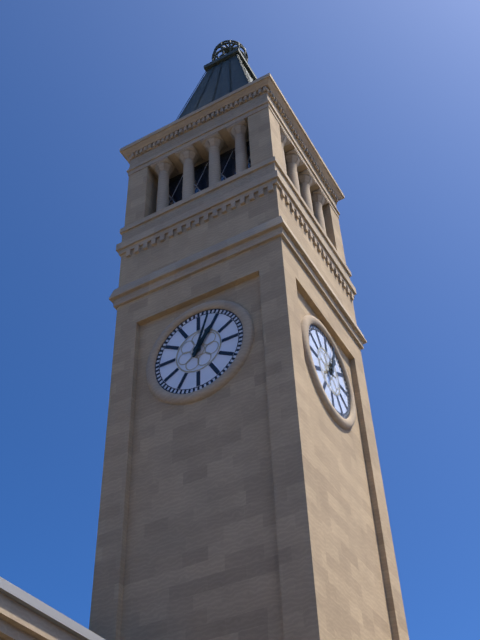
1:03
